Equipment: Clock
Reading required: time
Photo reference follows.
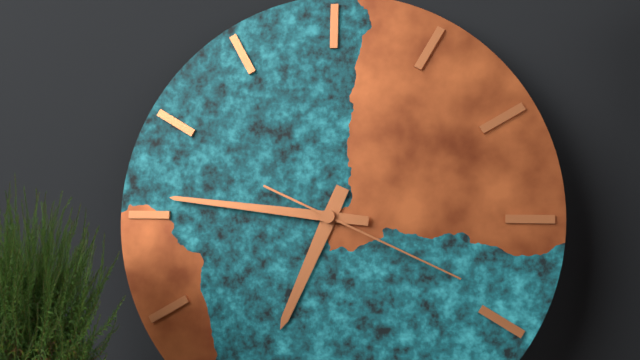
6:46:19
